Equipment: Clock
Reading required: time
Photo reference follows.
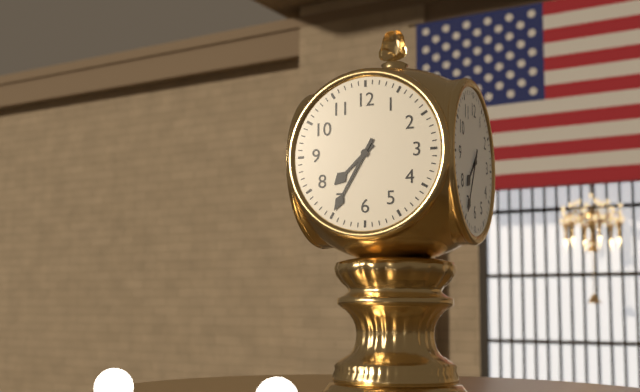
7:35
